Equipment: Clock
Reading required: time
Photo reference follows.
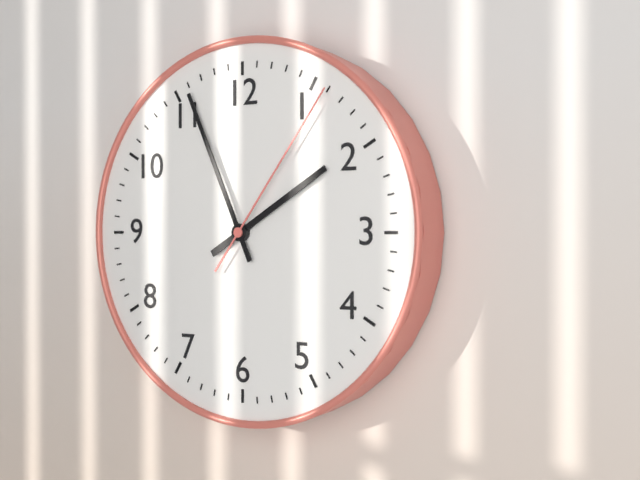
1:56:06
